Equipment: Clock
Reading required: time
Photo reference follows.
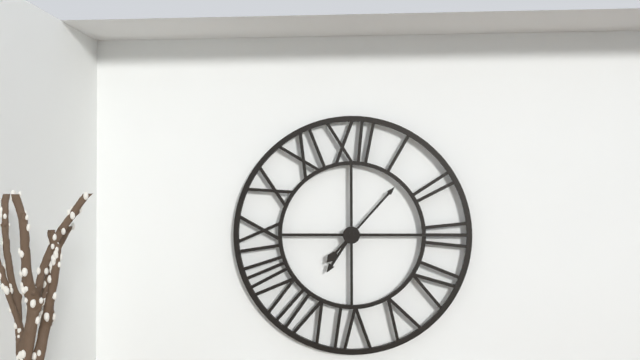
7:07
